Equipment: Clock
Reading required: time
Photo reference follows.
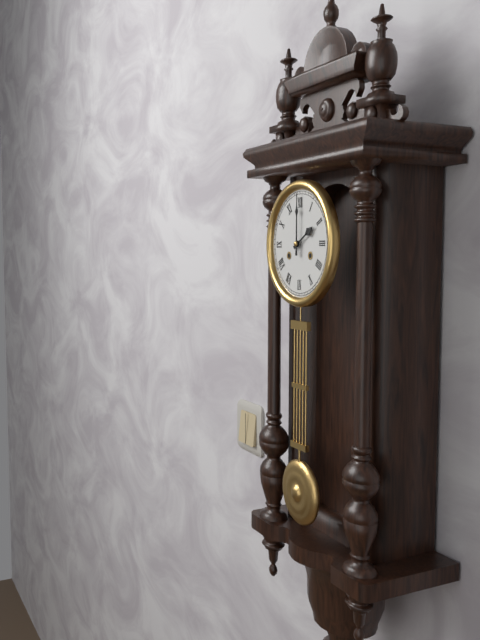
2:00
